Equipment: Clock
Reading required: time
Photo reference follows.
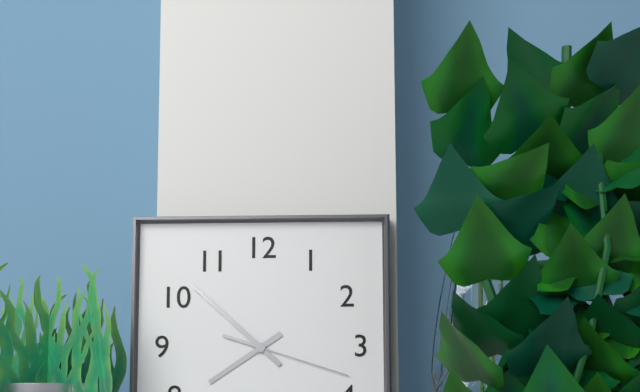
7:52:18
